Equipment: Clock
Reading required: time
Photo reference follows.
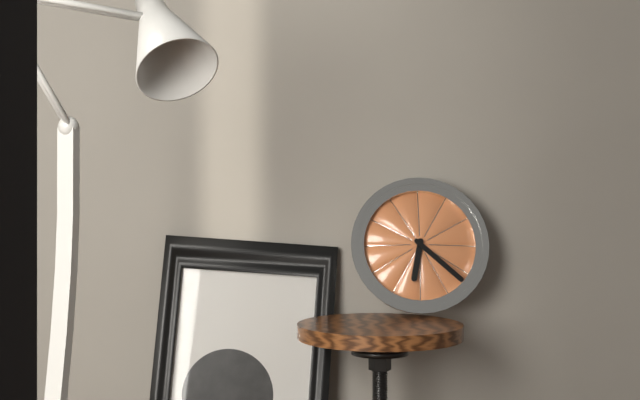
6:22
